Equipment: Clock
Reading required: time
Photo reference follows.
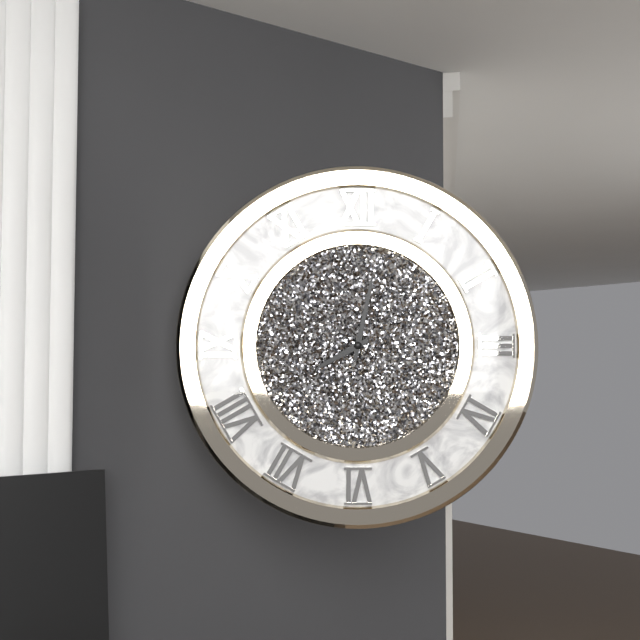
8:02
